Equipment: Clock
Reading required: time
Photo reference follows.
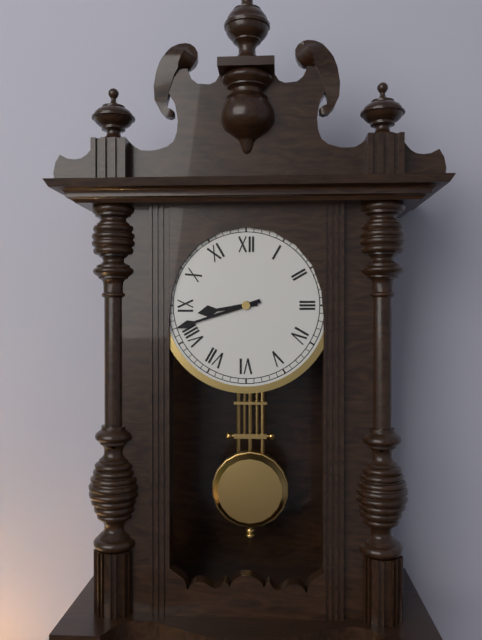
8:42
